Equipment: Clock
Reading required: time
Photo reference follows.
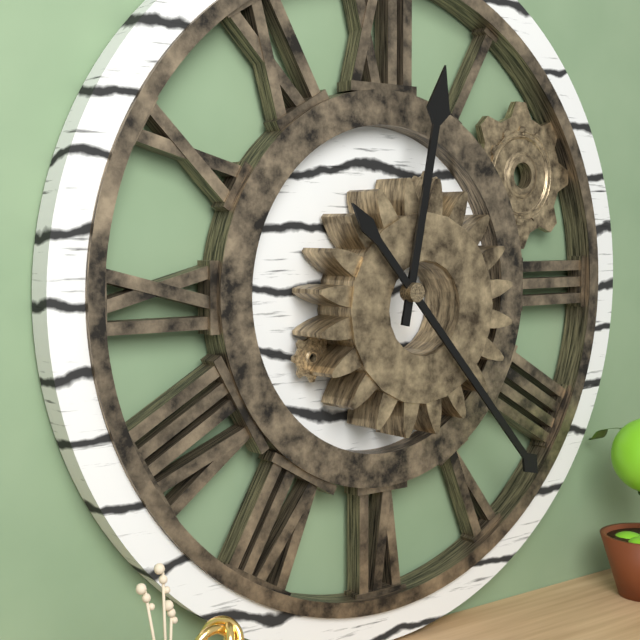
12:23
